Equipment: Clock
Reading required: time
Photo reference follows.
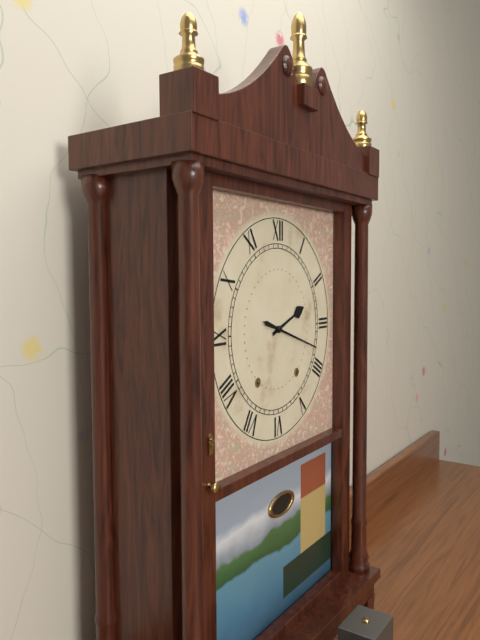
2:18
